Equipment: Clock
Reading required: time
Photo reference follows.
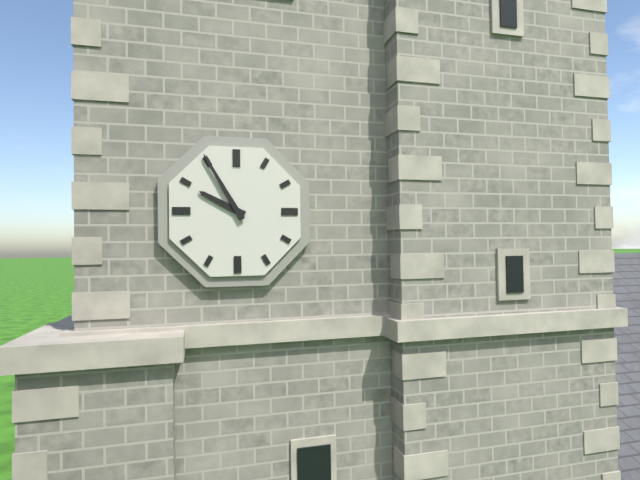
9:55
